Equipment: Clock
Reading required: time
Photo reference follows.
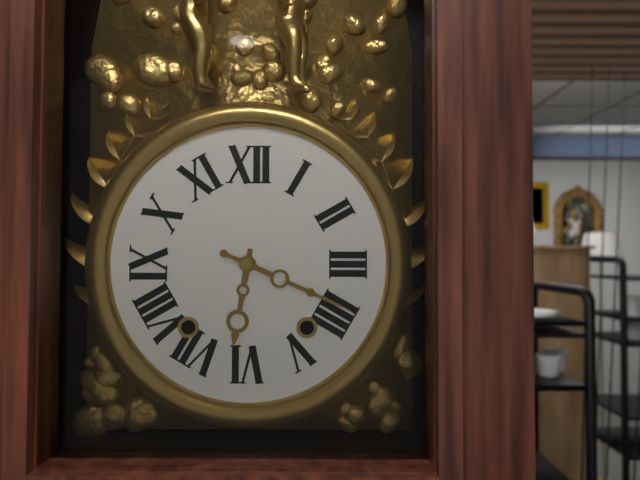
6:19
